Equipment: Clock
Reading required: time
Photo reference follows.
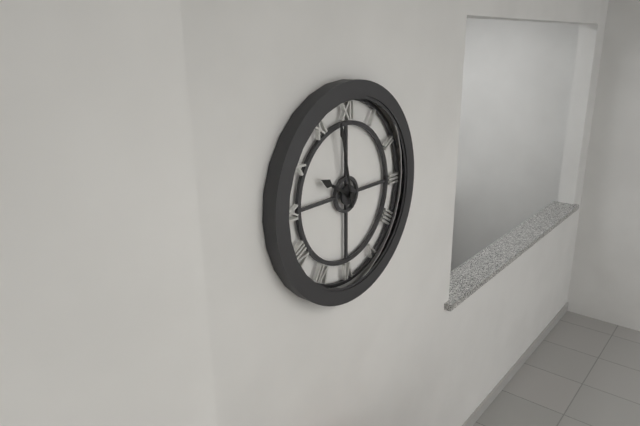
9:58
